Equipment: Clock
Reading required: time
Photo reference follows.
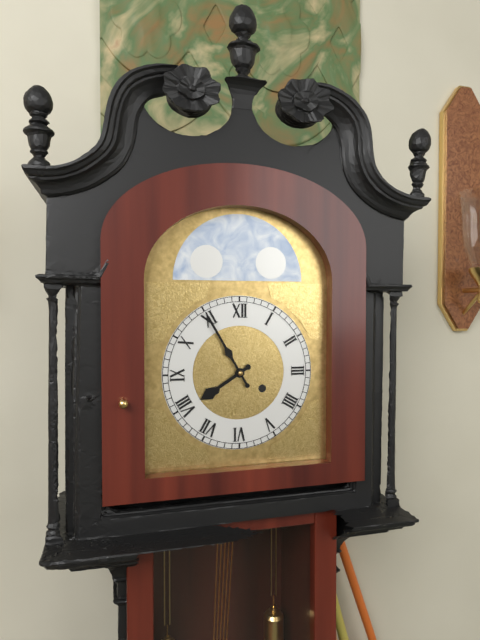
7:55
